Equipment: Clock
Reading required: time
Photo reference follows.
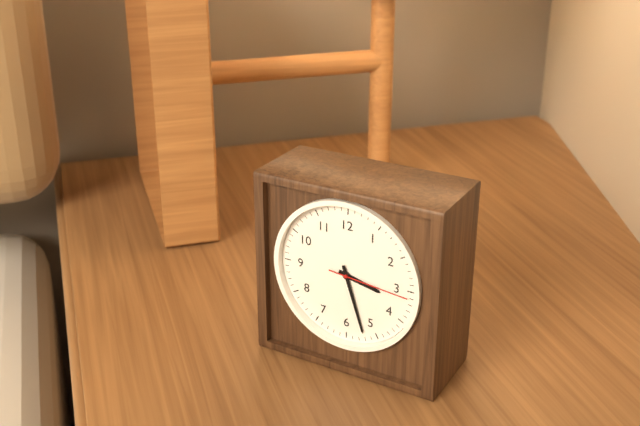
3:27:16
